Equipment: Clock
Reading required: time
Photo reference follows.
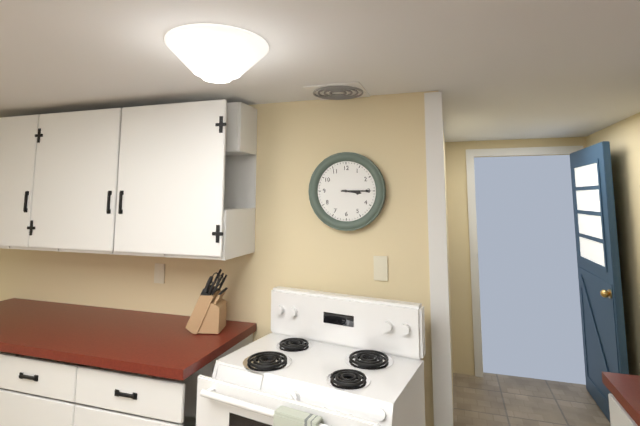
3:15
